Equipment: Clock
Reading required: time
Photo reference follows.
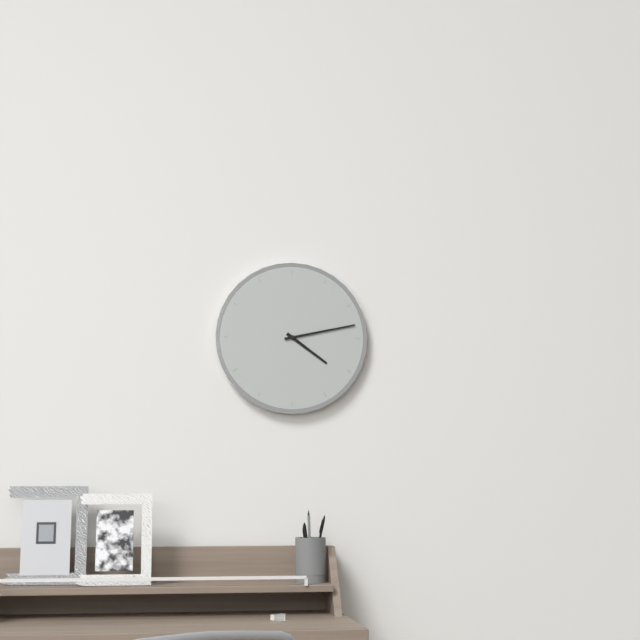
4:13
